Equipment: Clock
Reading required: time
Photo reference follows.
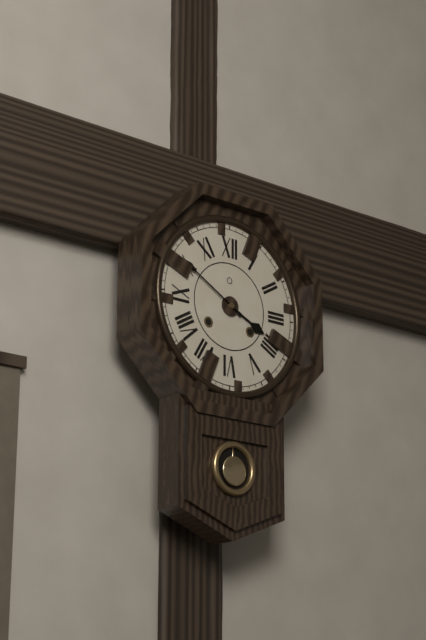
3:50
